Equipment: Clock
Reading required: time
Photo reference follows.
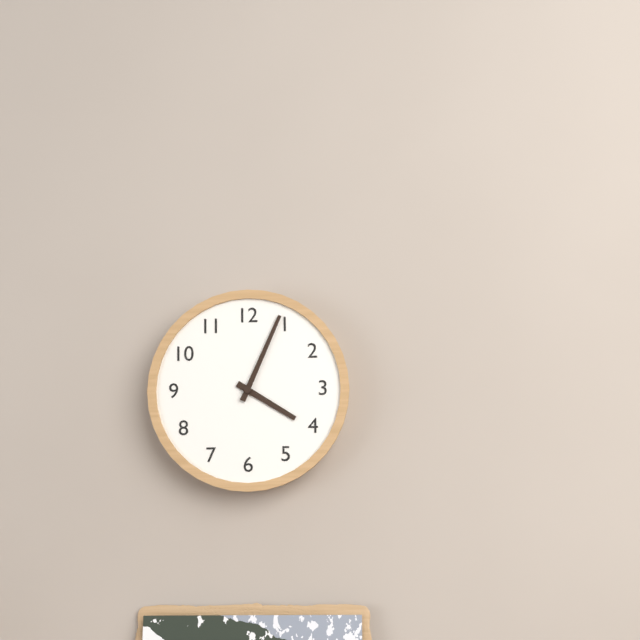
4:04
